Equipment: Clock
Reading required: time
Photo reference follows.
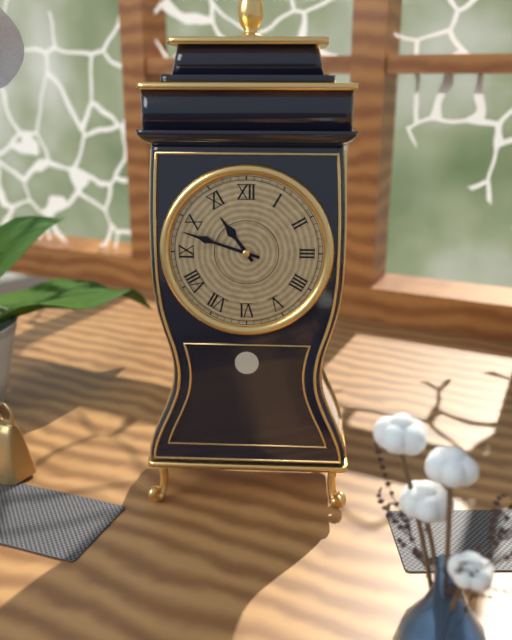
10:48
